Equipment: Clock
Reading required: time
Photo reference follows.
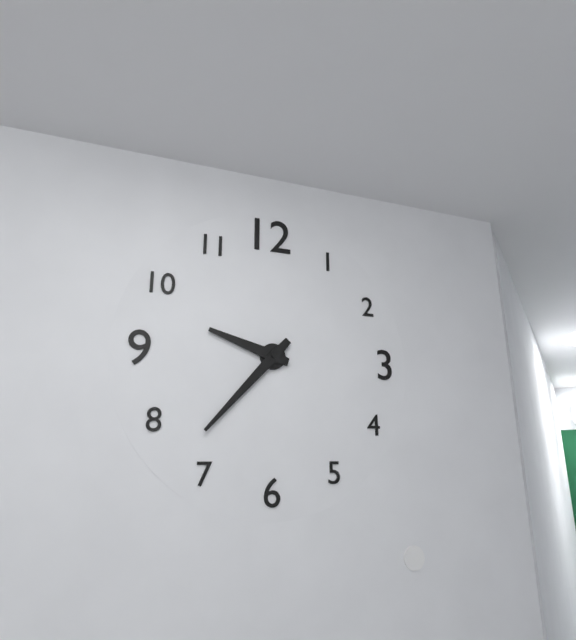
9:37
